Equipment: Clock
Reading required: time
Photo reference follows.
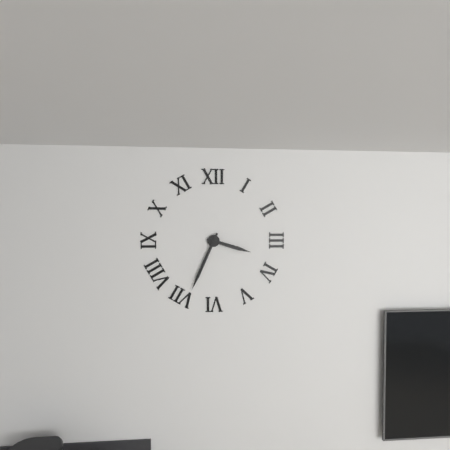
3:34
